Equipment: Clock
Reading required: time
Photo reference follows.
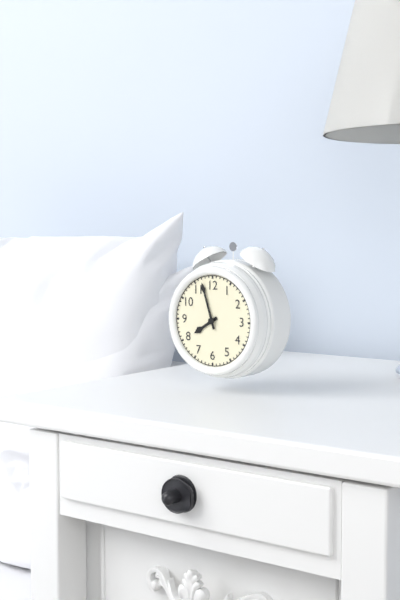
7:57
